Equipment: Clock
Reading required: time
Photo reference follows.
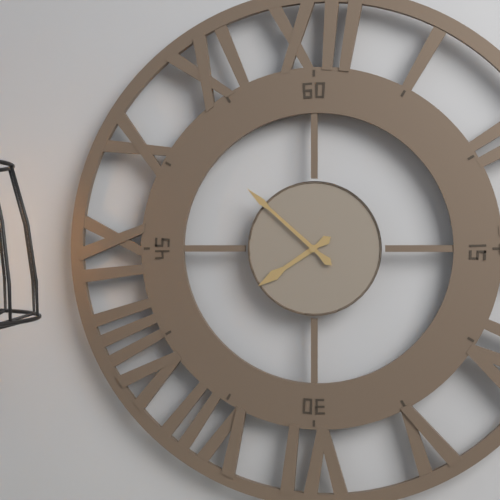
7:52
